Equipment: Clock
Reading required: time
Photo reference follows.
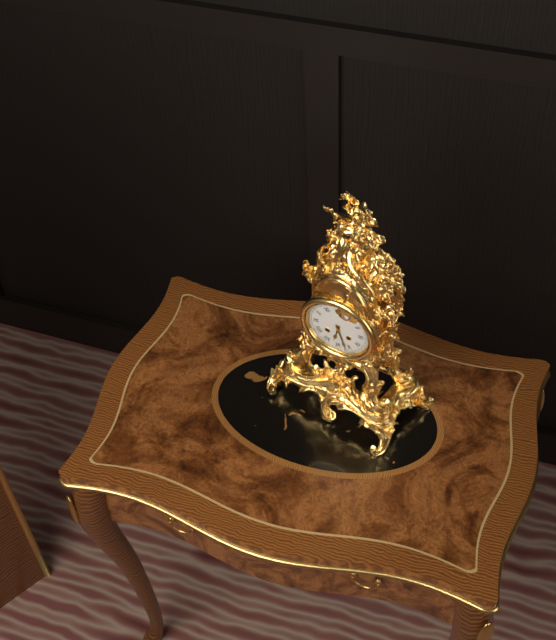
6:27
